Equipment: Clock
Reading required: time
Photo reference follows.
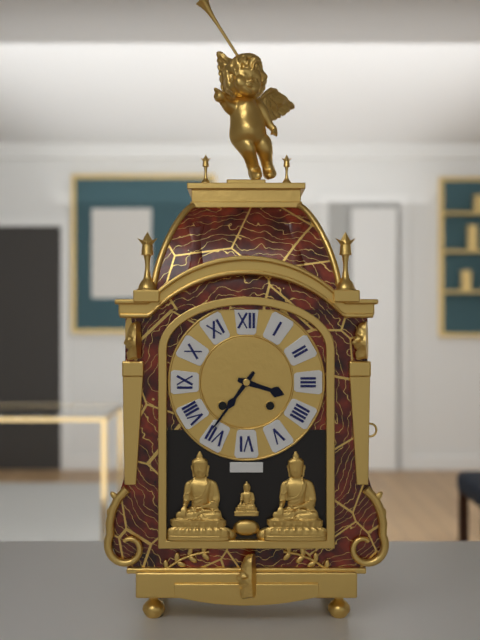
3:36
